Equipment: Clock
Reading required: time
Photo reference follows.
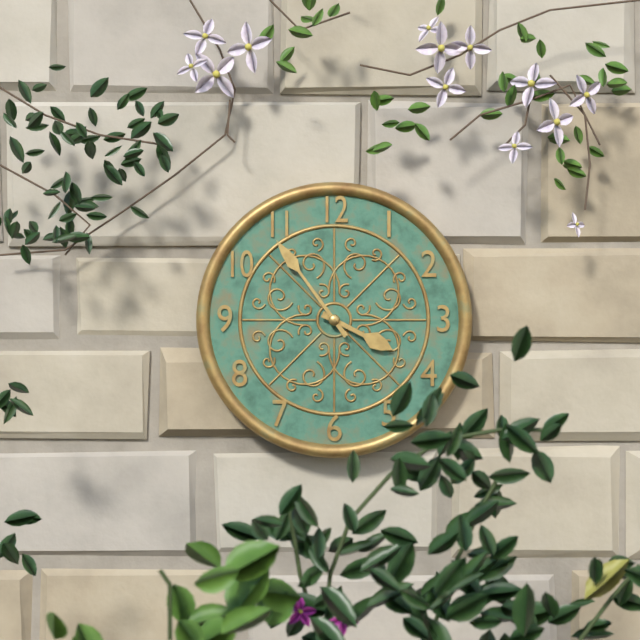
3:54
